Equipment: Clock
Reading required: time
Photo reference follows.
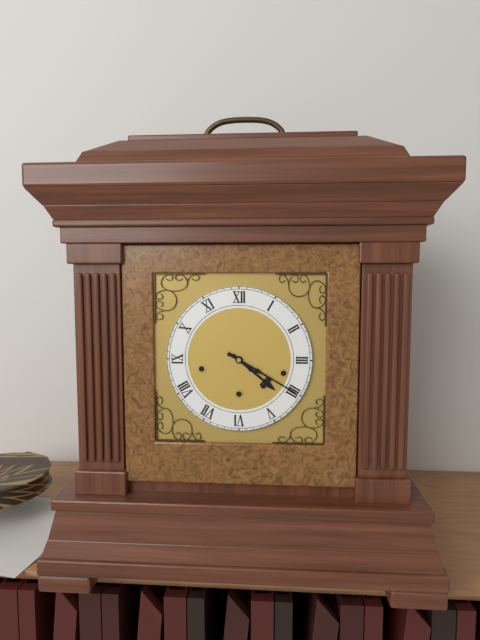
4:20
